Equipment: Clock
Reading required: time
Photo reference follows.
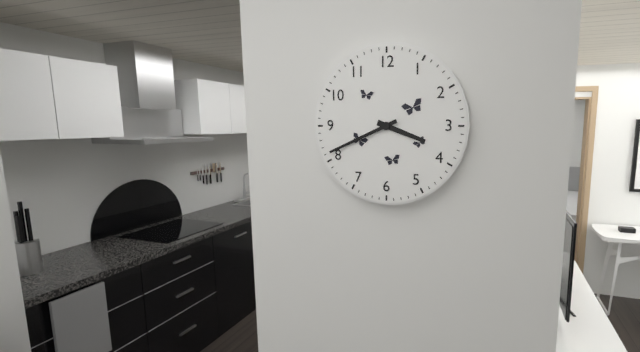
3:41
